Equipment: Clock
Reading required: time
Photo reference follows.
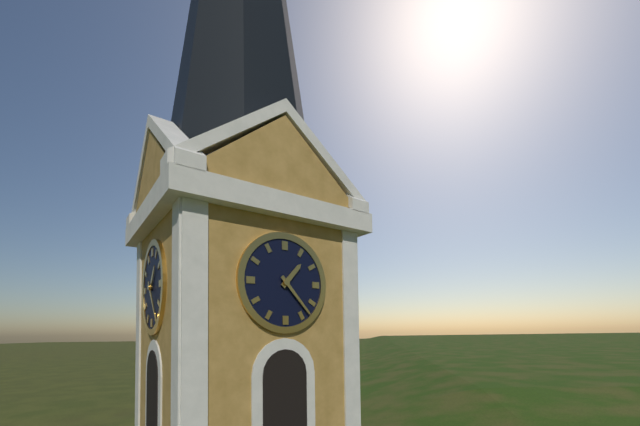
1:23
